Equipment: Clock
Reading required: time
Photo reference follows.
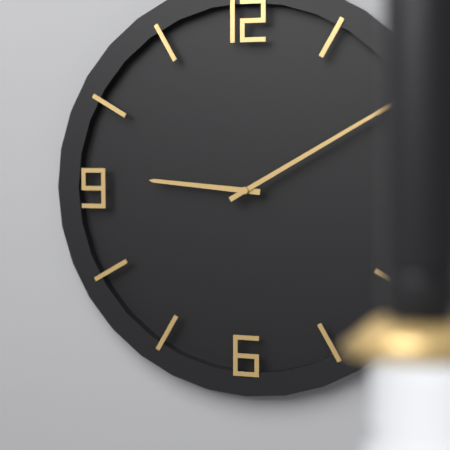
9:10
